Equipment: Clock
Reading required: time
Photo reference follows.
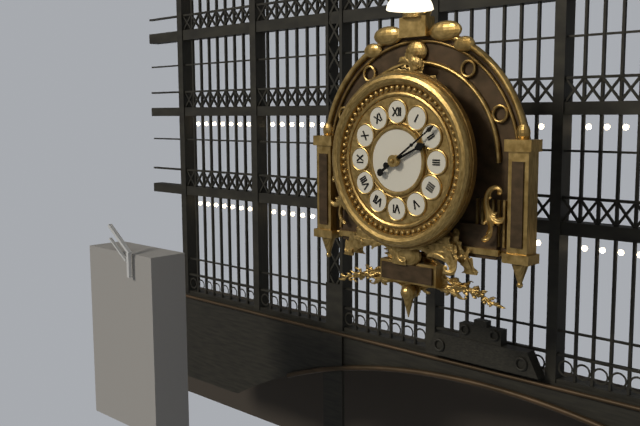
2:09
